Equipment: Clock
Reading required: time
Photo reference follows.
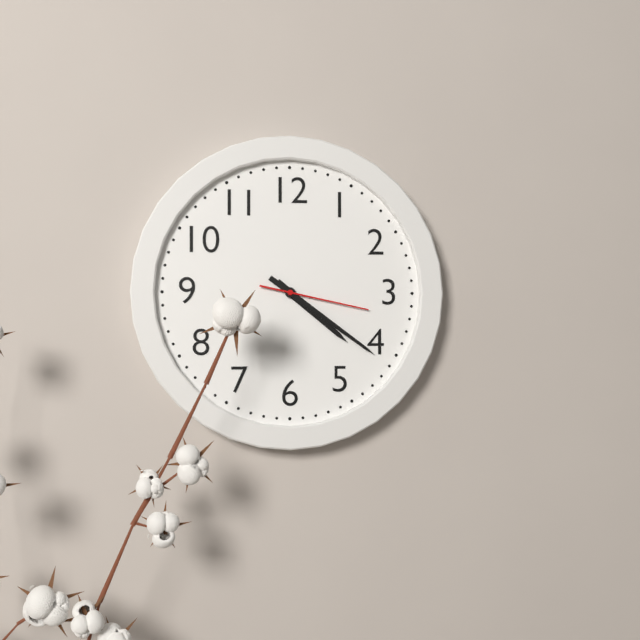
4:21:17
